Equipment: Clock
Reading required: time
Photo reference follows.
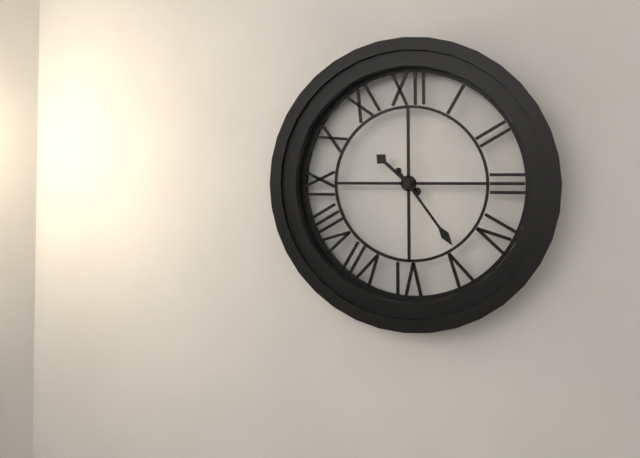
10:24
